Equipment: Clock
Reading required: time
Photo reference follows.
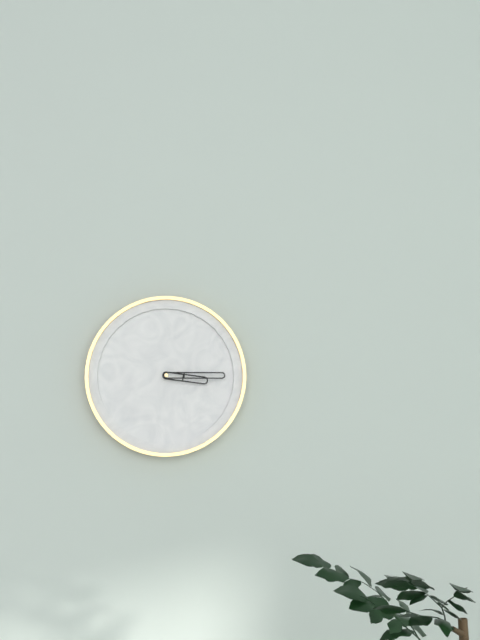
3:15
